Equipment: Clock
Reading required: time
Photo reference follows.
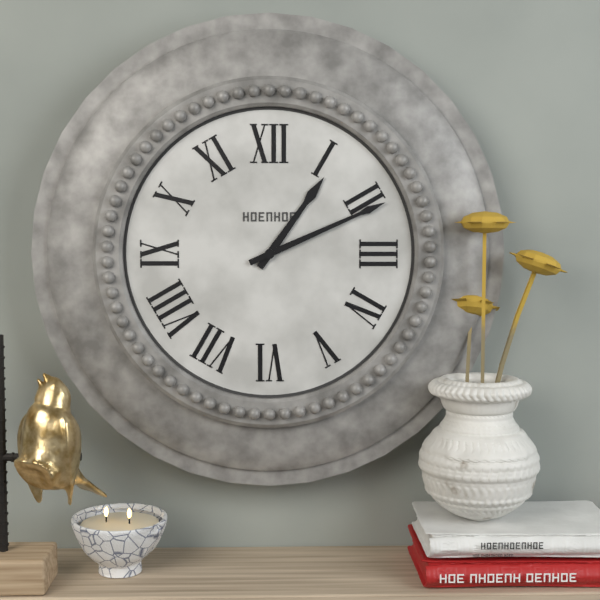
1:11
